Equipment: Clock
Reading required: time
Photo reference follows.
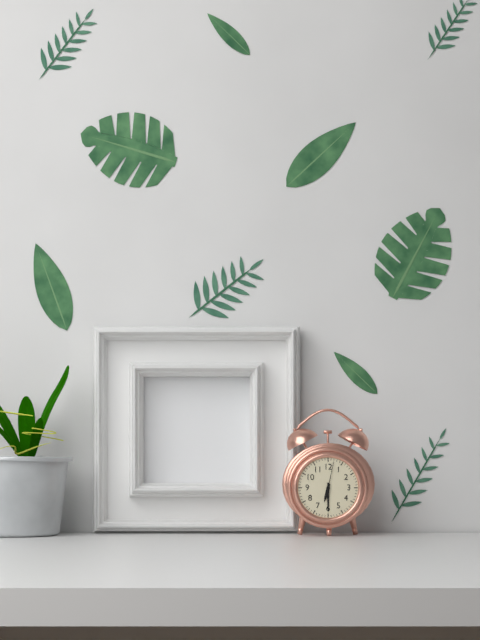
6:30
